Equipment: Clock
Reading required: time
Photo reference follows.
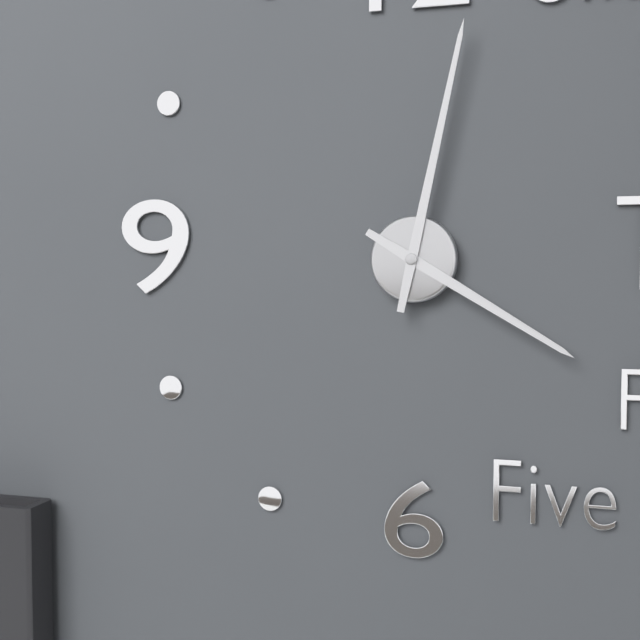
4:02
